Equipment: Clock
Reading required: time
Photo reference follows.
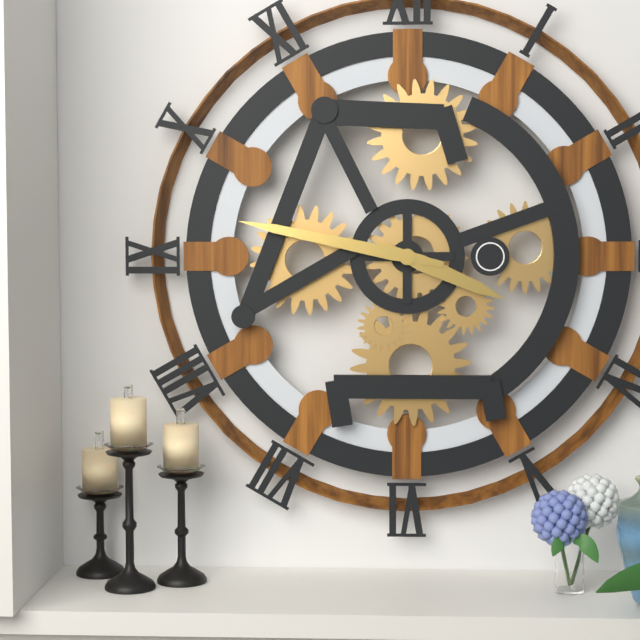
3:47
